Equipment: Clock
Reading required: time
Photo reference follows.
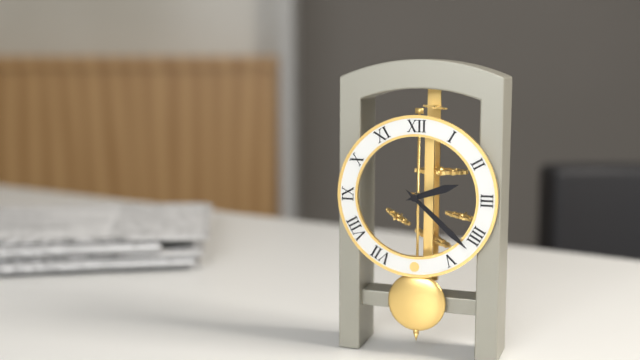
2:22
